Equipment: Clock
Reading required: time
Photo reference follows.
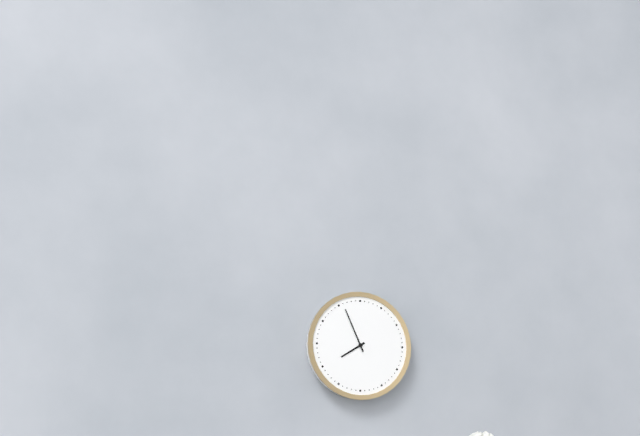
7:56
